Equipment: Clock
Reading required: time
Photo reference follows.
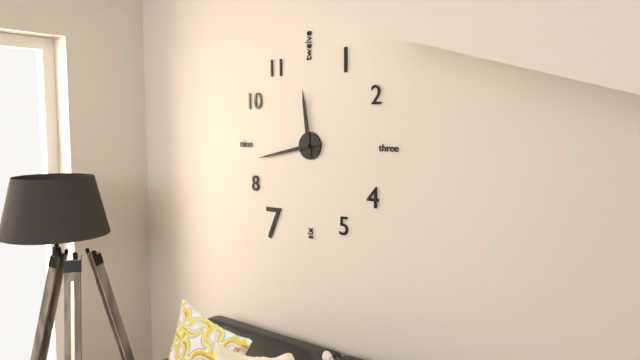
11:43
